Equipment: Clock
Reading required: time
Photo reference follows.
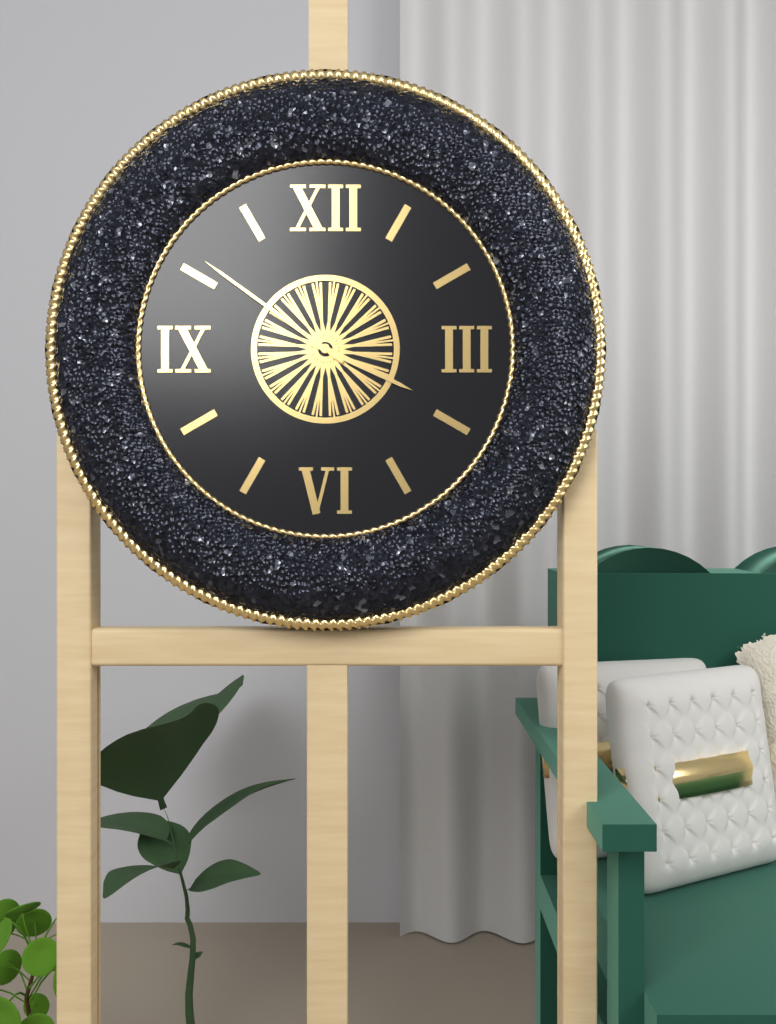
3:51
